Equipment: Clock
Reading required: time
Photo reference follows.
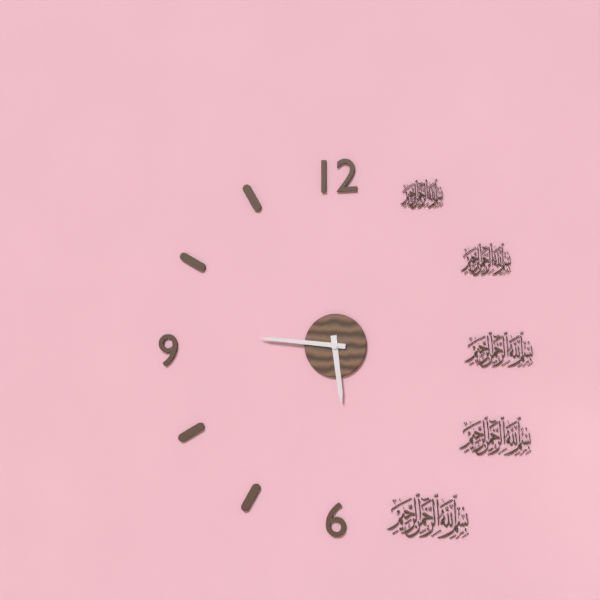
5:46
